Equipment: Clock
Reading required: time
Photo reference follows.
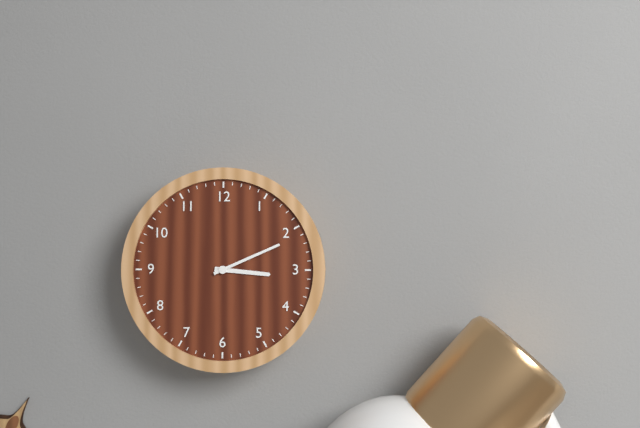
3:11
